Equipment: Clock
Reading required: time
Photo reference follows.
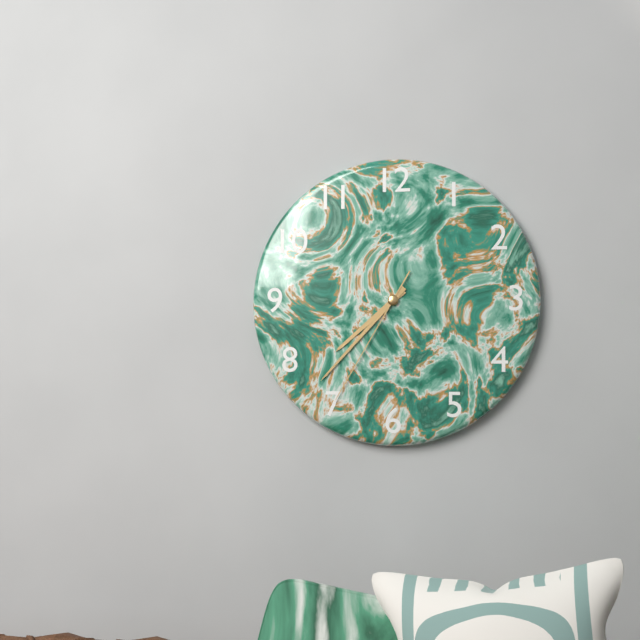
7:37:35
